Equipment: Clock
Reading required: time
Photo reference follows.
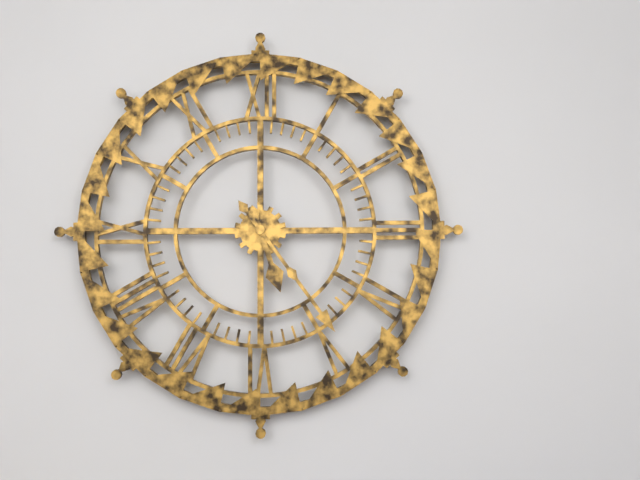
5:24
